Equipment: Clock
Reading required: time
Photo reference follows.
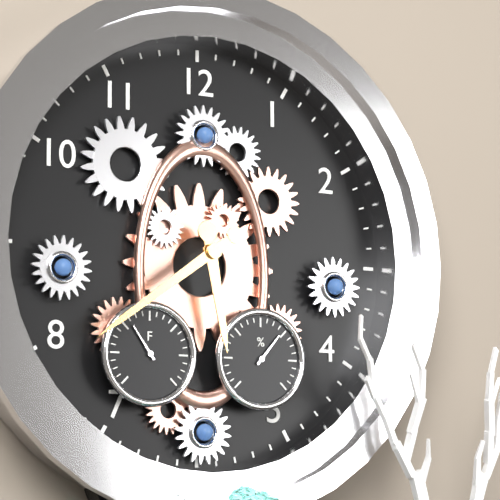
5:39
